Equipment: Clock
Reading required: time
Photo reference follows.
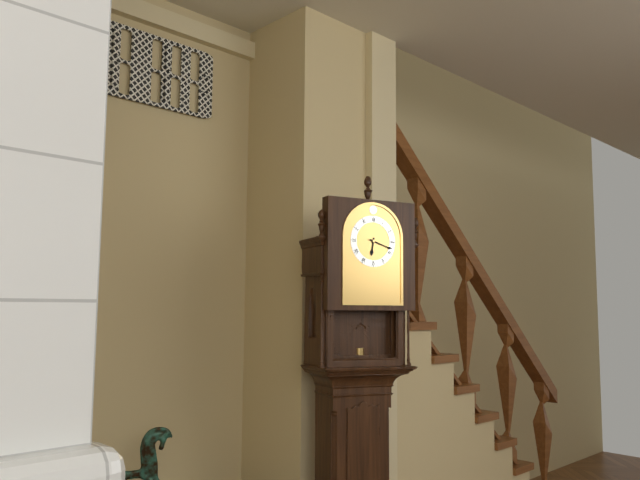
6:18
